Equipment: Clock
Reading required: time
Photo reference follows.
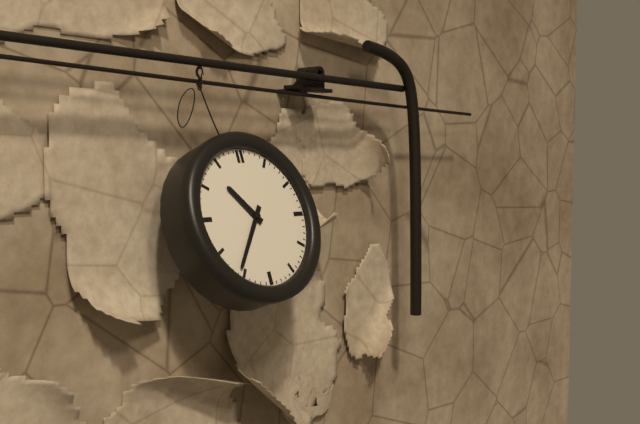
10:36
